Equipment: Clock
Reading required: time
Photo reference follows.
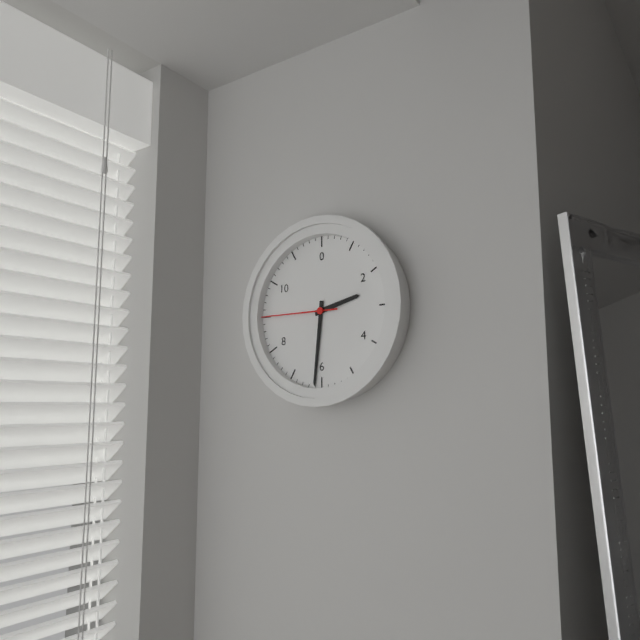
2:31:45
